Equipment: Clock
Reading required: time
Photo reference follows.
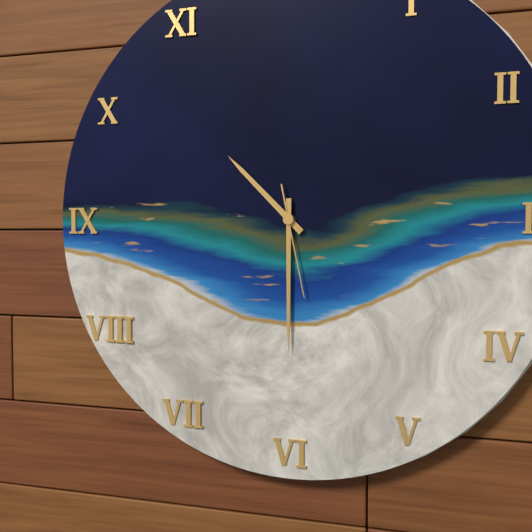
10:30:28
